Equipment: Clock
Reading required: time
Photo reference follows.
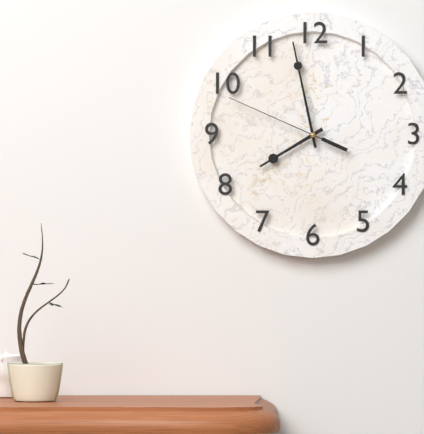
7:58:49
